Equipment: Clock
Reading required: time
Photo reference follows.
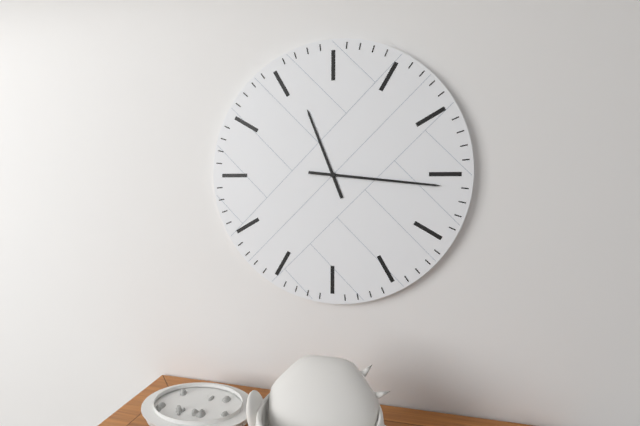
11:16
